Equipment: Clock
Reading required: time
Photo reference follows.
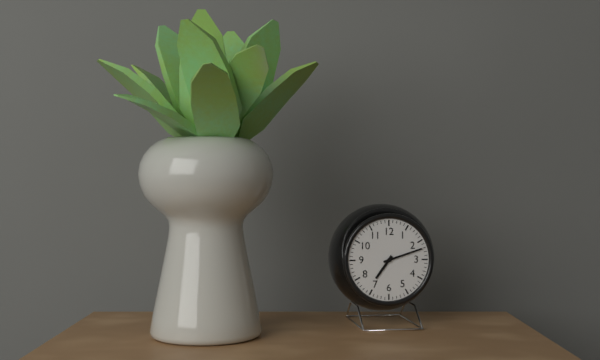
7:12
